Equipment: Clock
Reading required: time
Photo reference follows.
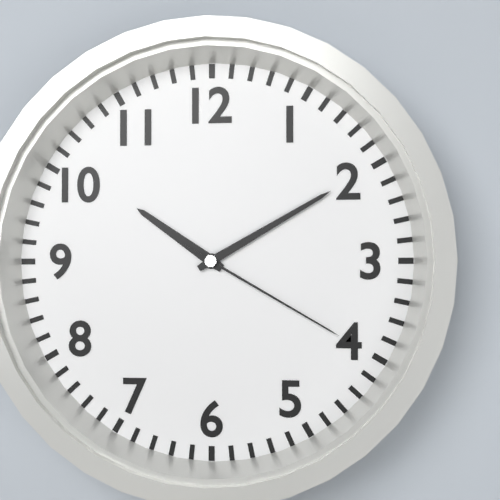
10:10:20
